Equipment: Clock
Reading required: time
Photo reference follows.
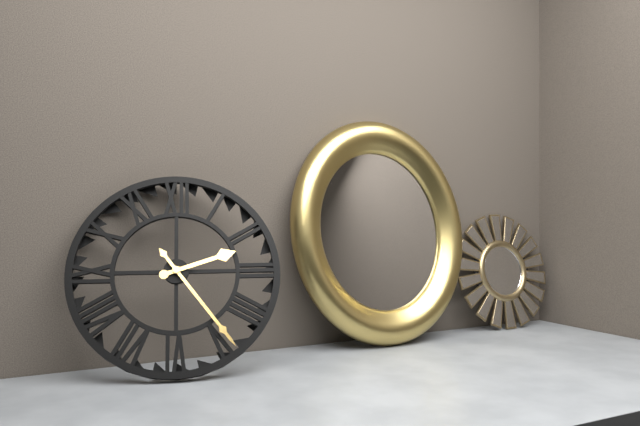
2:24
